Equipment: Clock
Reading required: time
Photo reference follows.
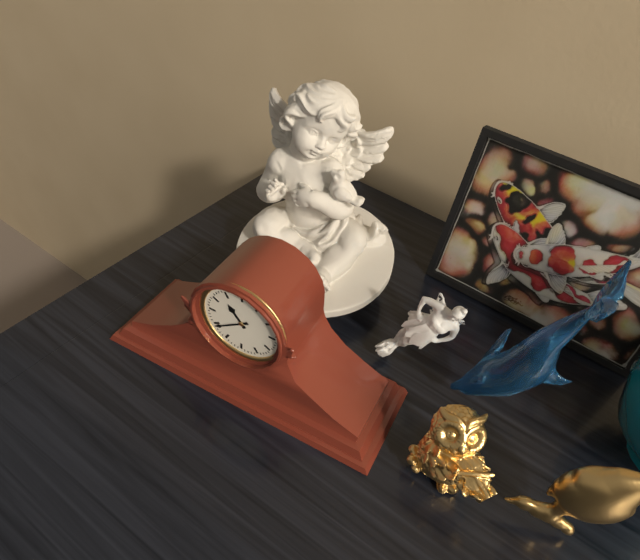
10:39
